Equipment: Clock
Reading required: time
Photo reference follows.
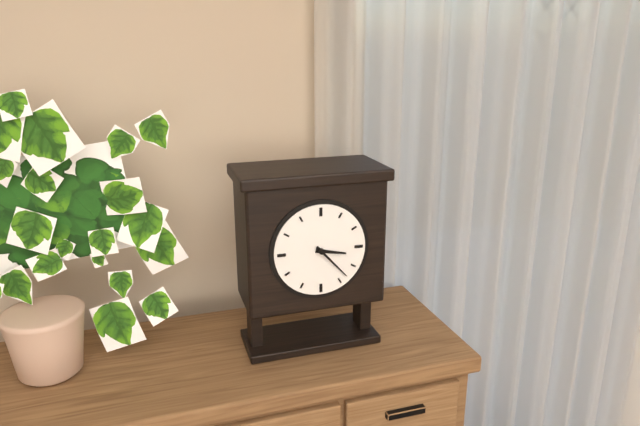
3:23
